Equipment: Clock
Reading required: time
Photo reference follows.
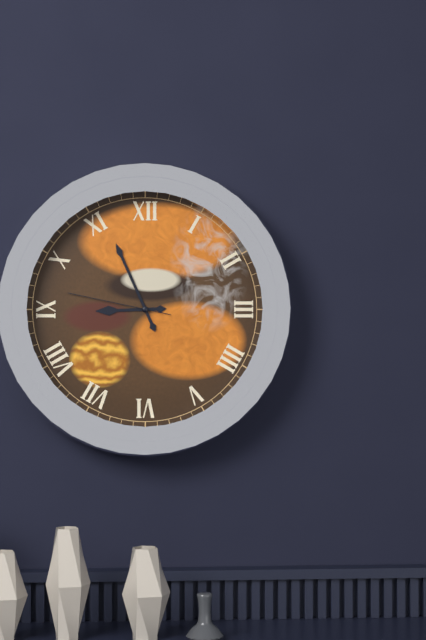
8:56:47
